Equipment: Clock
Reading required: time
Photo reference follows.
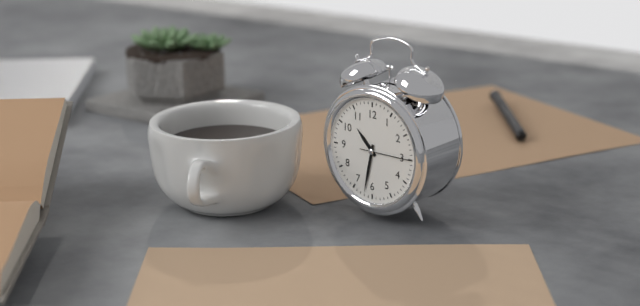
10:32
